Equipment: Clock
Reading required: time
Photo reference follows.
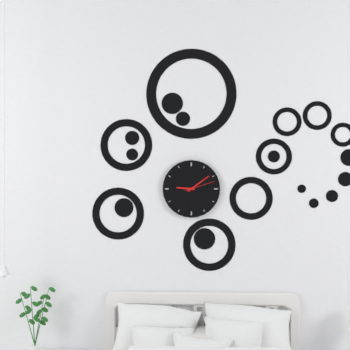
9:09
